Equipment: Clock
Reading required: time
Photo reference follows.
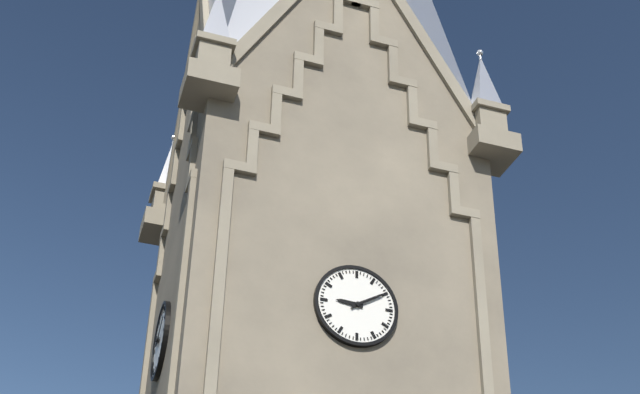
9:10
